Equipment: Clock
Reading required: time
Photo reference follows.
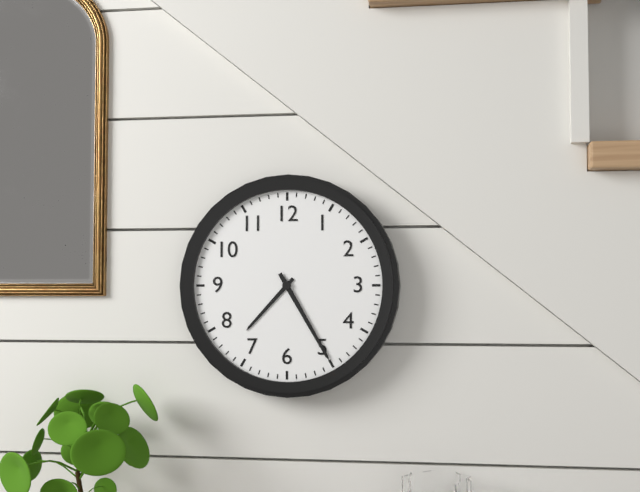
7:25
